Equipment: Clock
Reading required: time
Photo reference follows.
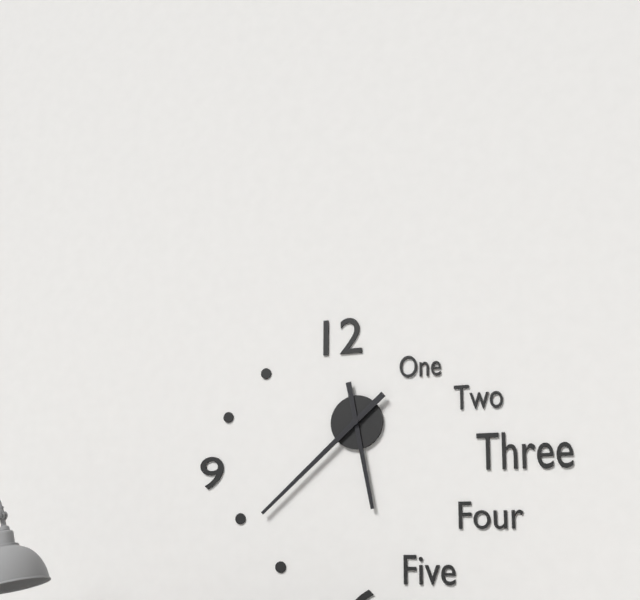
5:38
